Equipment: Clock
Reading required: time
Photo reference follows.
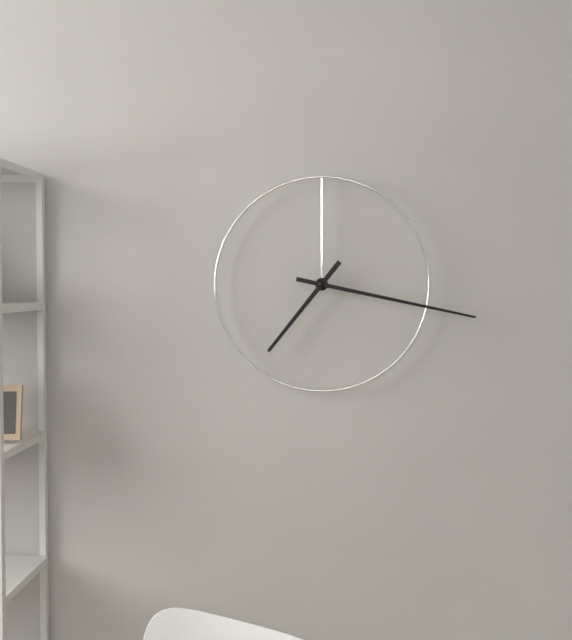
7:17
